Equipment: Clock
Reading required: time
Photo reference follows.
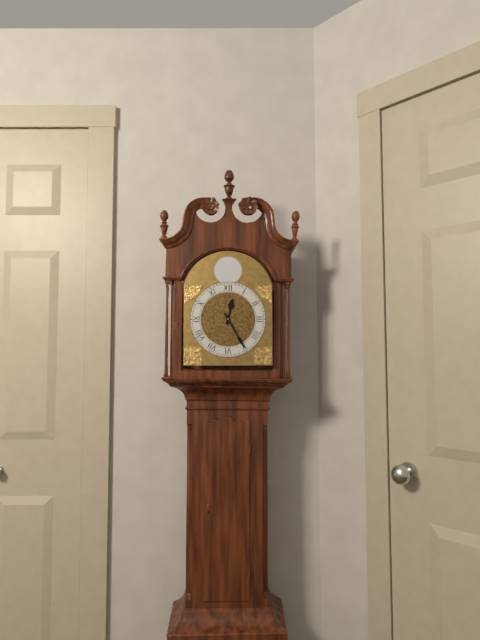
12:25
